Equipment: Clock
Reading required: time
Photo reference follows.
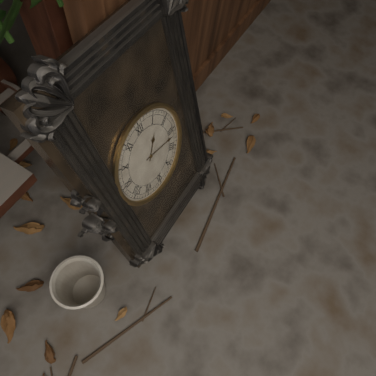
1:17
